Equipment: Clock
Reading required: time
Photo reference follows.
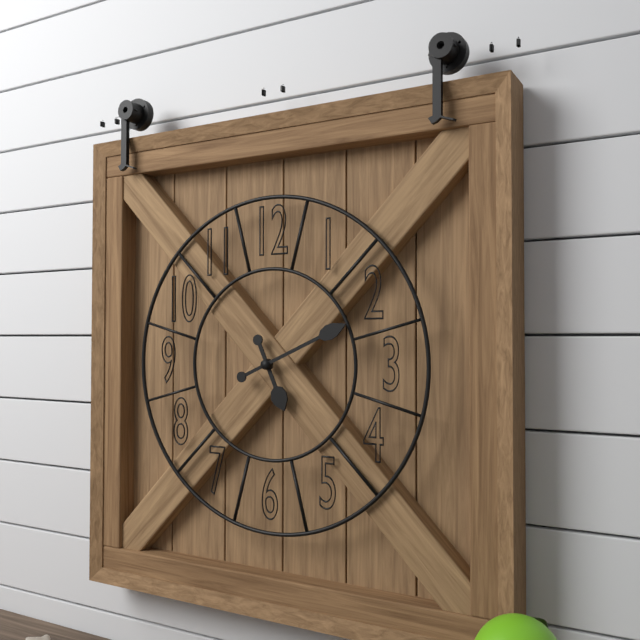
5:11
